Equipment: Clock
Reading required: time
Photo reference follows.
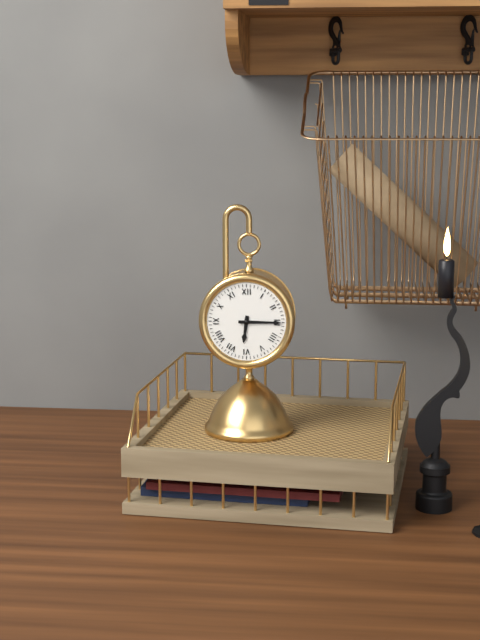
6:15
